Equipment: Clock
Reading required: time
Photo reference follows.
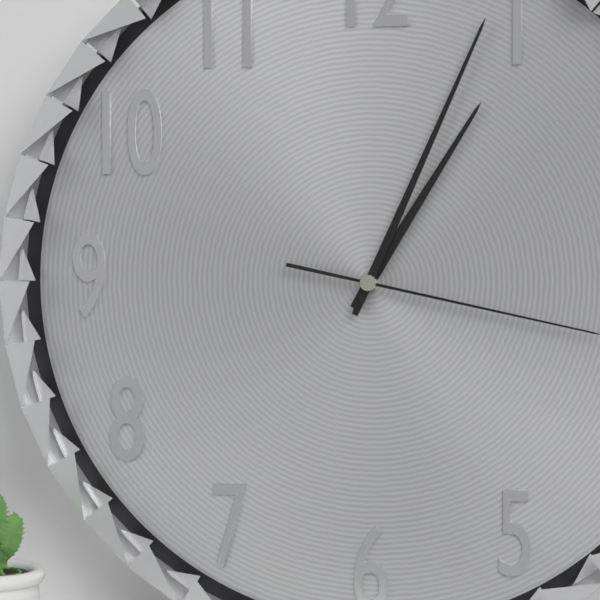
1:04
